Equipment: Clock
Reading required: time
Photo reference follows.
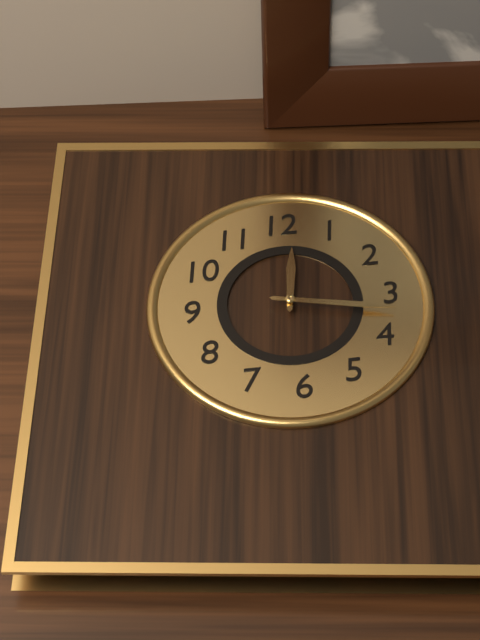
12:17
